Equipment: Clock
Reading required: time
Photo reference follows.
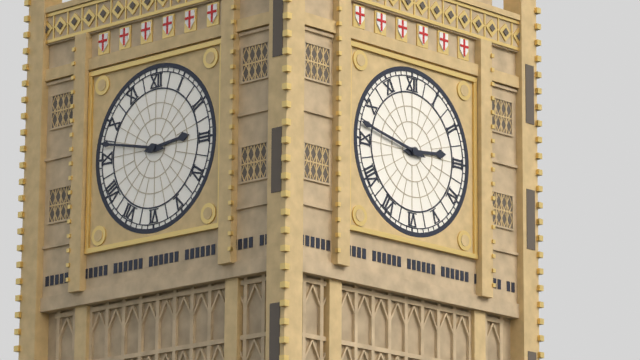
2:47
